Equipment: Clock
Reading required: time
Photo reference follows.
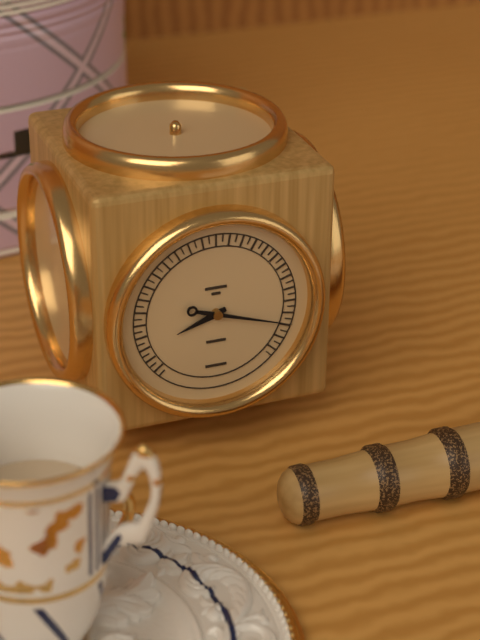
8:18
